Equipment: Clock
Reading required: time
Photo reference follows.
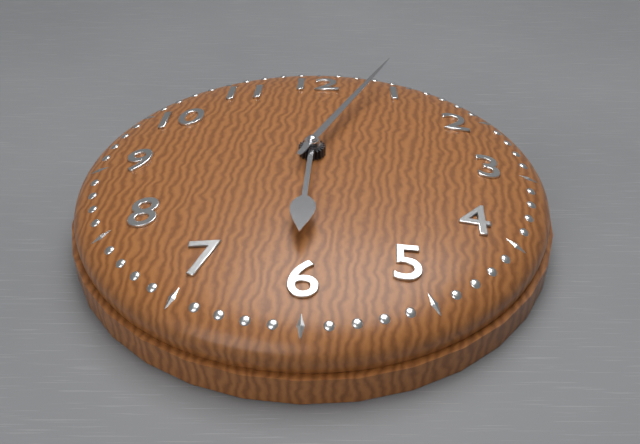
6:04
